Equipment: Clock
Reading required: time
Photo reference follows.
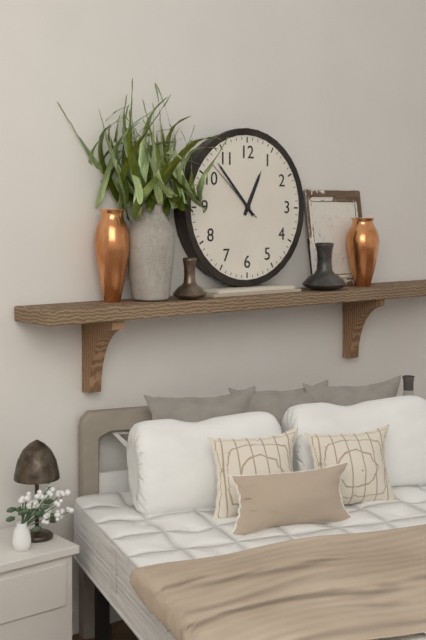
12:53:52
